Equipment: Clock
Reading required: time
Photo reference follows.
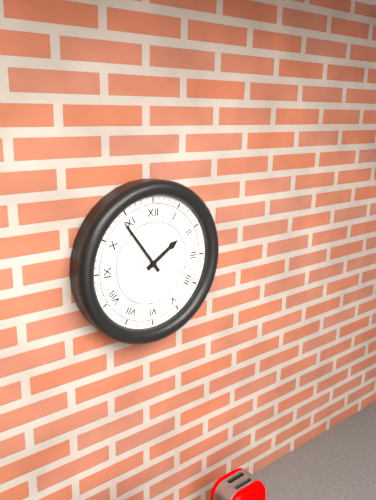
1:54
